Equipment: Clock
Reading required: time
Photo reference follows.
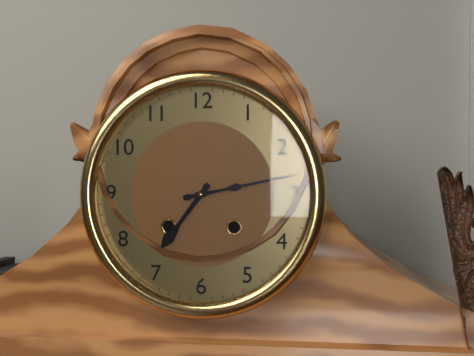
7:13
